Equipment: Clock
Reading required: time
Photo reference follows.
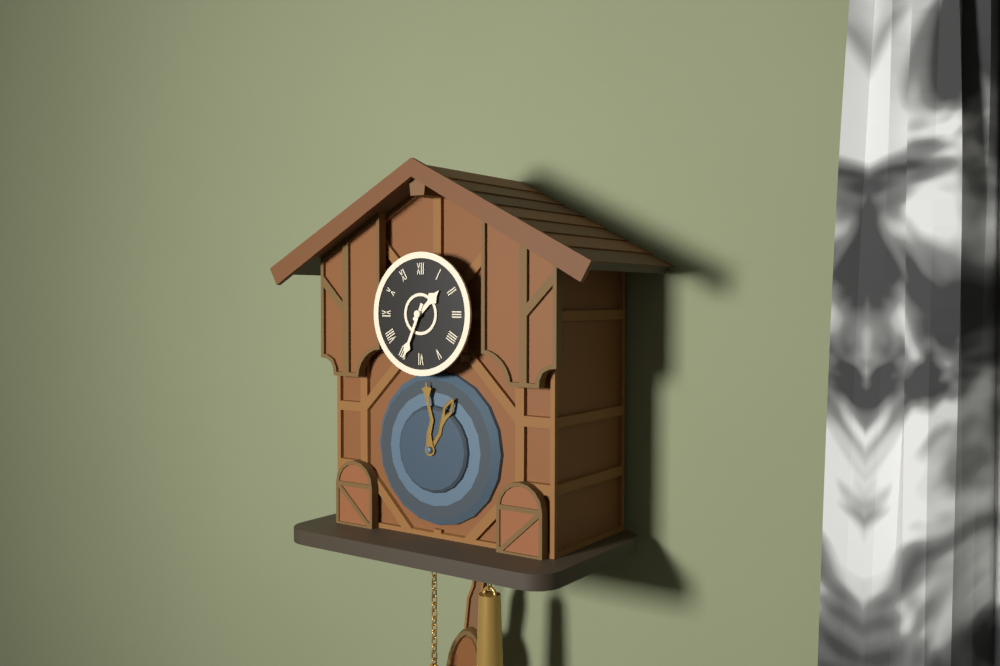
1:34
